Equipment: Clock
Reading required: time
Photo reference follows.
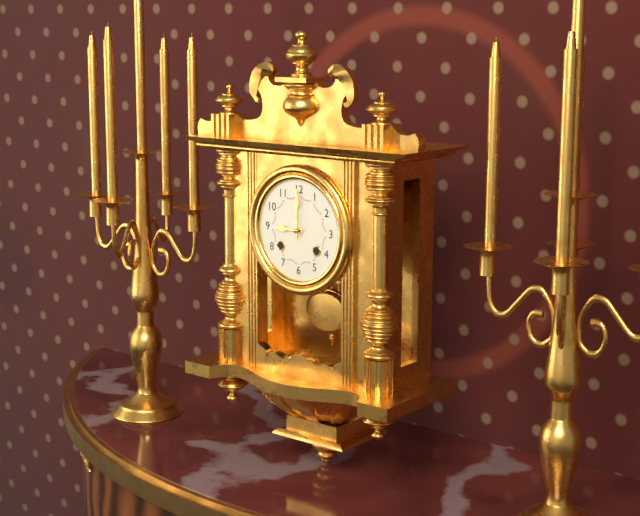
9:00
